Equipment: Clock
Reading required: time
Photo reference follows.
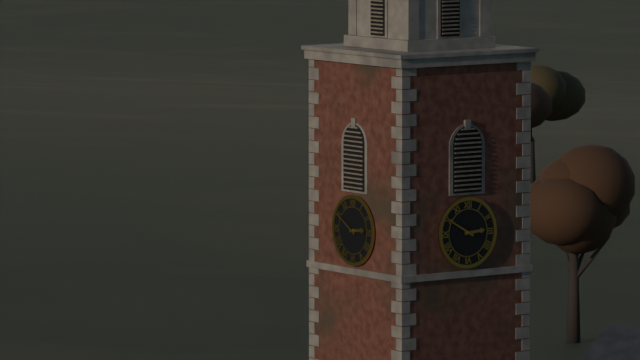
2:50
